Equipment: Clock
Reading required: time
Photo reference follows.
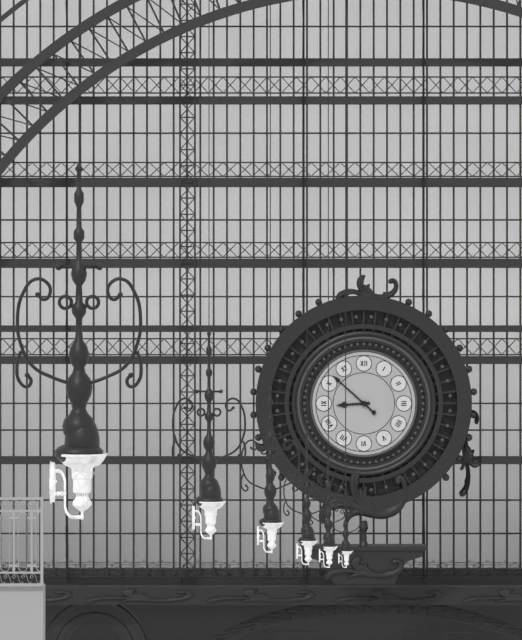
8:52
